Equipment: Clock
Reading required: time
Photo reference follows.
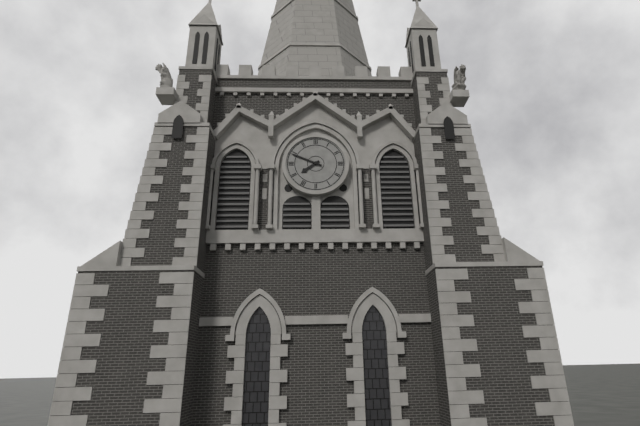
7:49
